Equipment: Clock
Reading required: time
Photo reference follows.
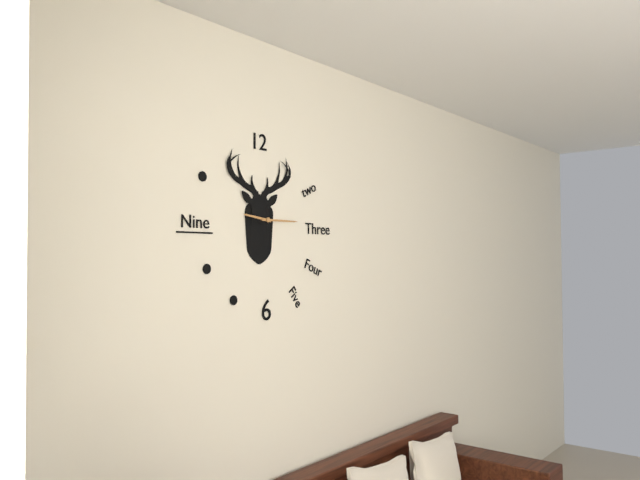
9:15
